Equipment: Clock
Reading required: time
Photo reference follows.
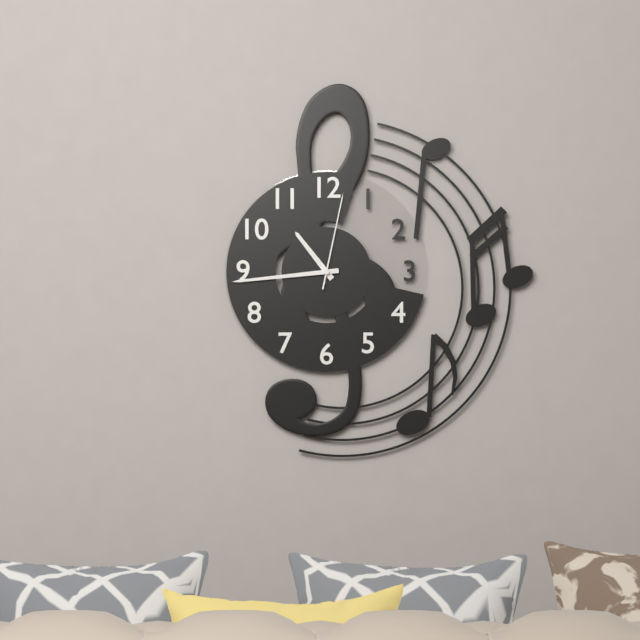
10:44:02
